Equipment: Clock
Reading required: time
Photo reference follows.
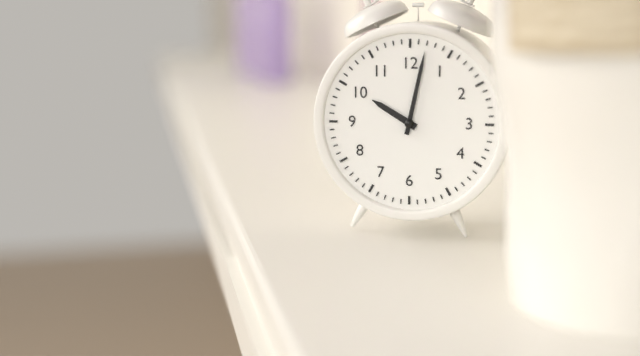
10:02
